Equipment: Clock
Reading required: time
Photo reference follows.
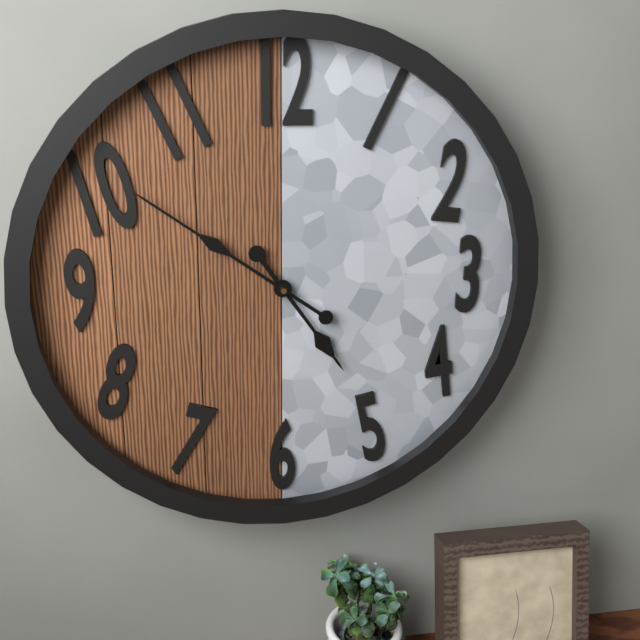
4:51
